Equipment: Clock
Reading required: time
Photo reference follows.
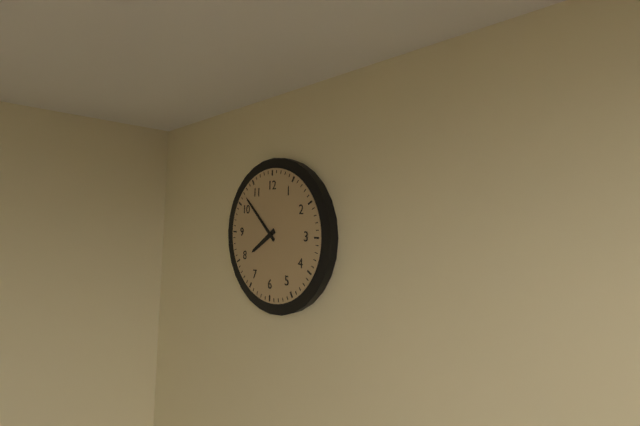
7:52
